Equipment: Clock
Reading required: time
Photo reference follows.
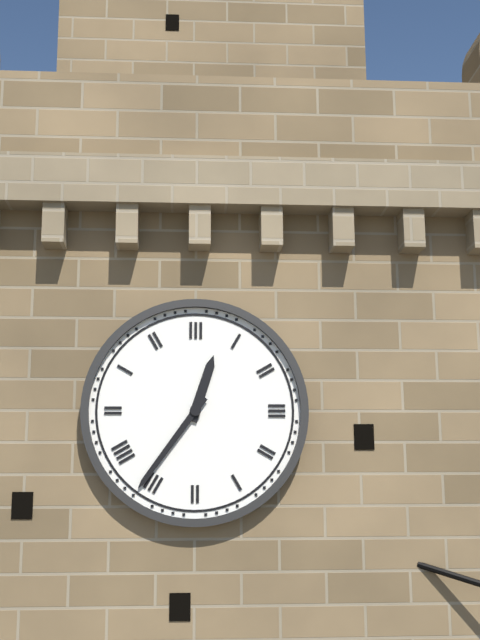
12:36
